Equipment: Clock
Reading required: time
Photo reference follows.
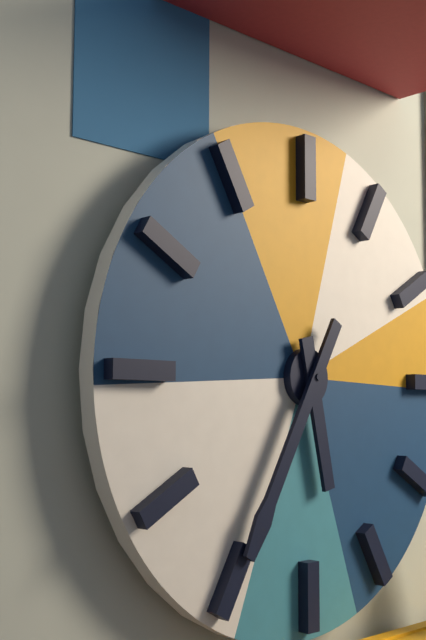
5:35
